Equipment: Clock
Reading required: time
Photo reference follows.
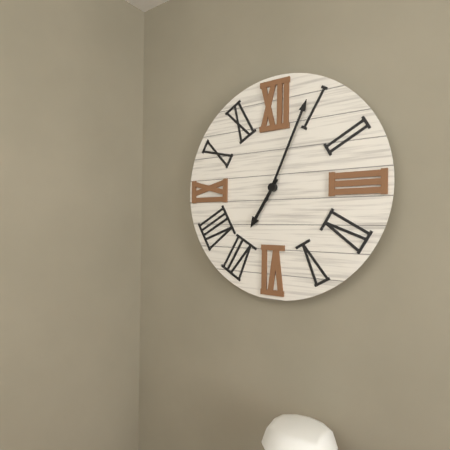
7:04
